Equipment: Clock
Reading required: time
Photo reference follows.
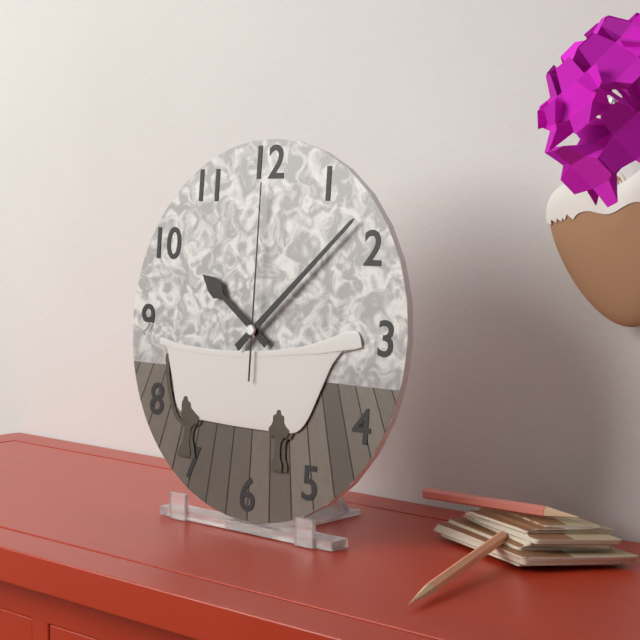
10:08:00
